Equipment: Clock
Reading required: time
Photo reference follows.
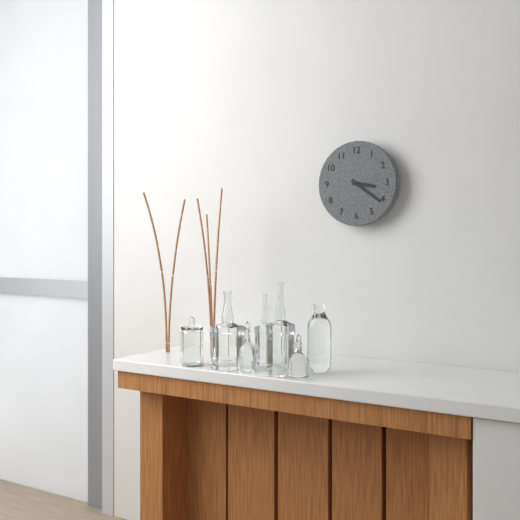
3:21
